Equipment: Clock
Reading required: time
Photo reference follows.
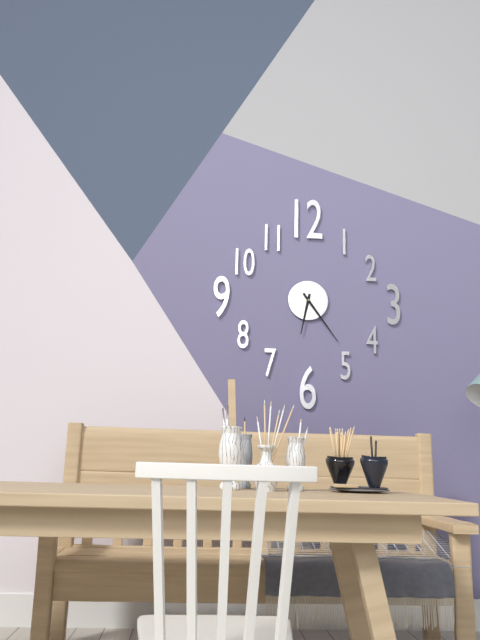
6:24
